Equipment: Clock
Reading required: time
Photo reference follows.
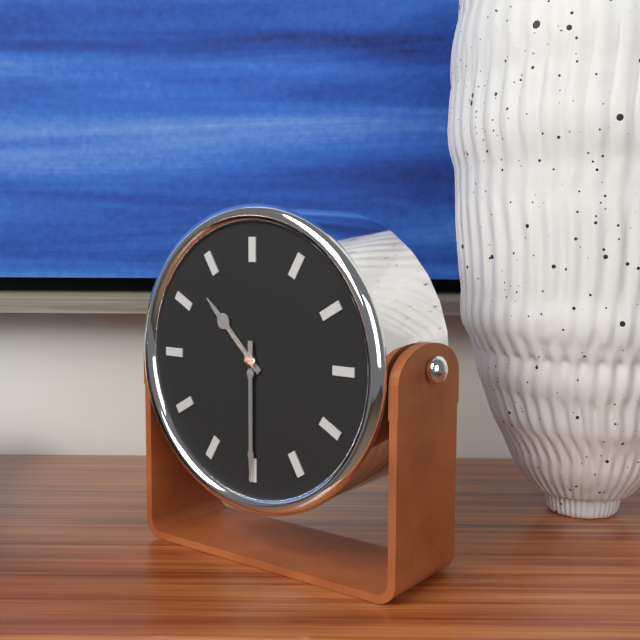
10:30
